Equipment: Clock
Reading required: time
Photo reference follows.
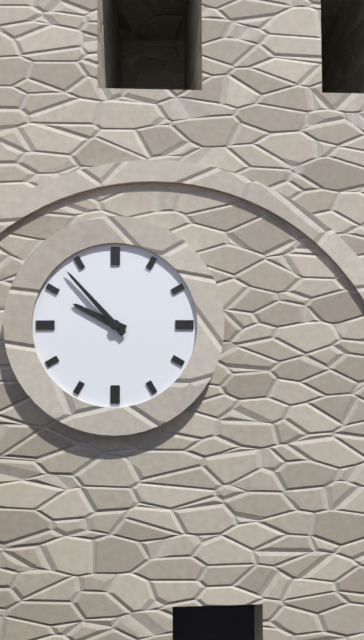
9:53
